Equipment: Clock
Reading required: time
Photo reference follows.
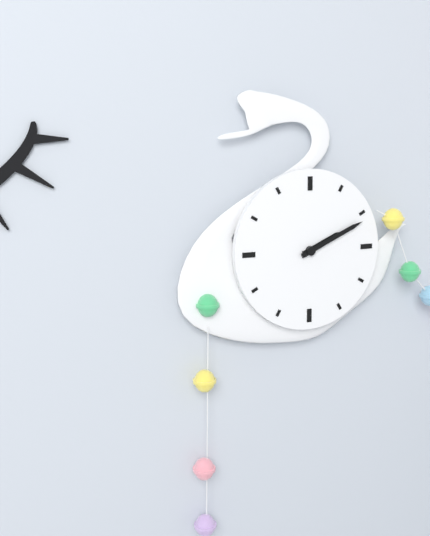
2:11
